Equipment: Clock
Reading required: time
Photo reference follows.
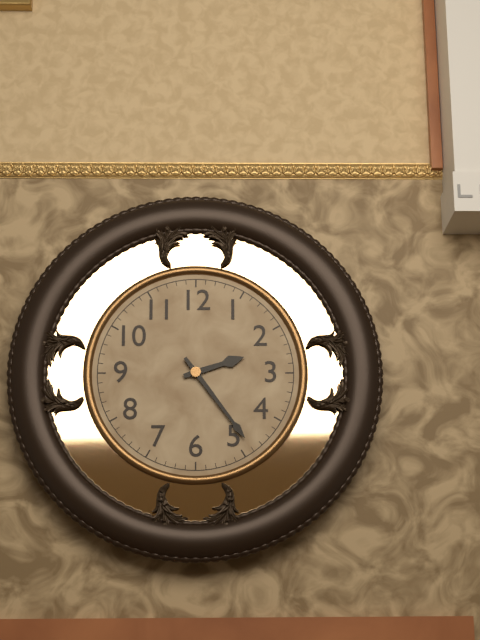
2:24
